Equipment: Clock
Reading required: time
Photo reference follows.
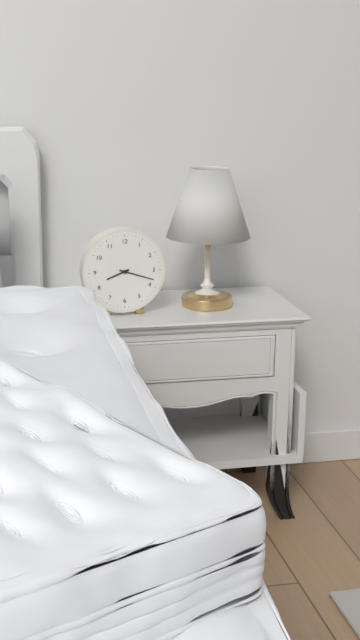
8:18
